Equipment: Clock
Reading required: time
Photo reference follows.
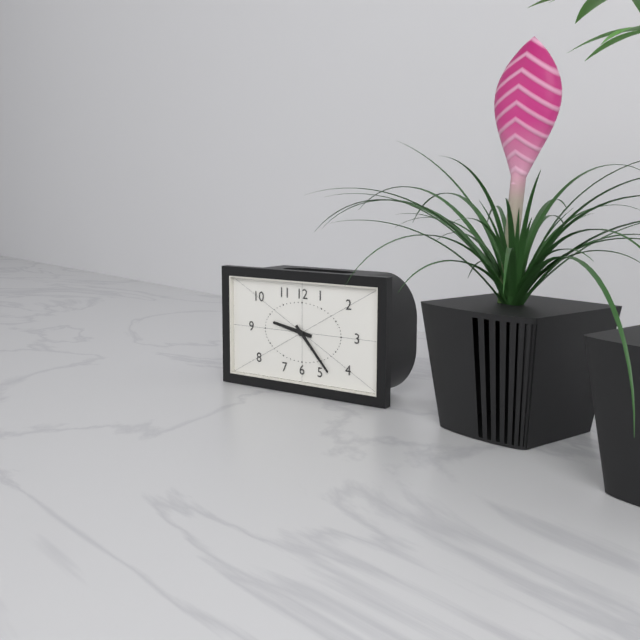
9:23
